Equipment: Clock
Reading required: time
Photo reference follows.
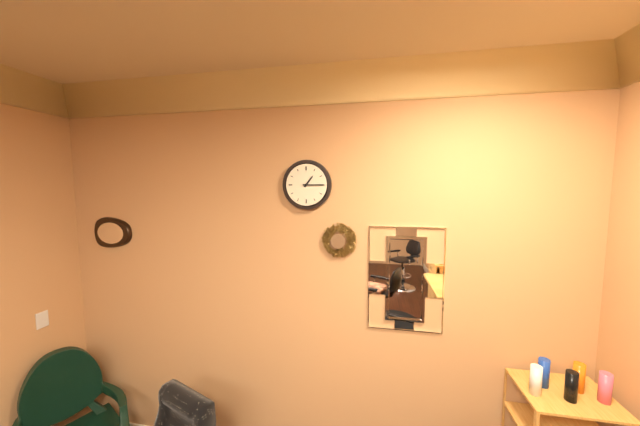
1:15
